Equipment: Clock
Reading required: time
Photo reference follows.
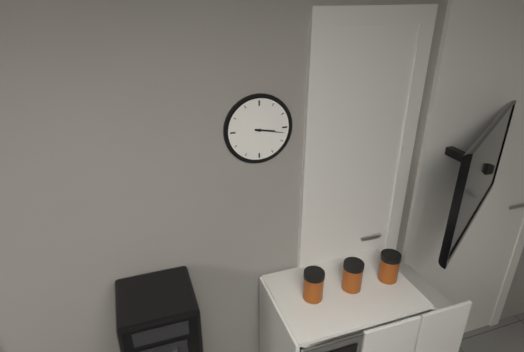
3:17
